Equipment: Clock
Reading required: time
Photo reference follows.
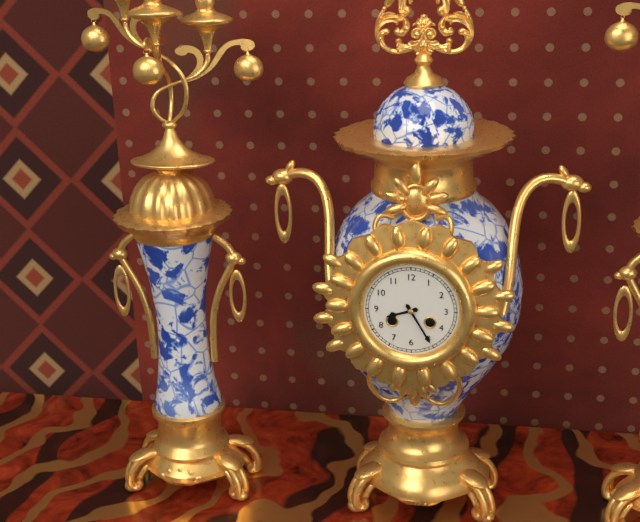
8:25
